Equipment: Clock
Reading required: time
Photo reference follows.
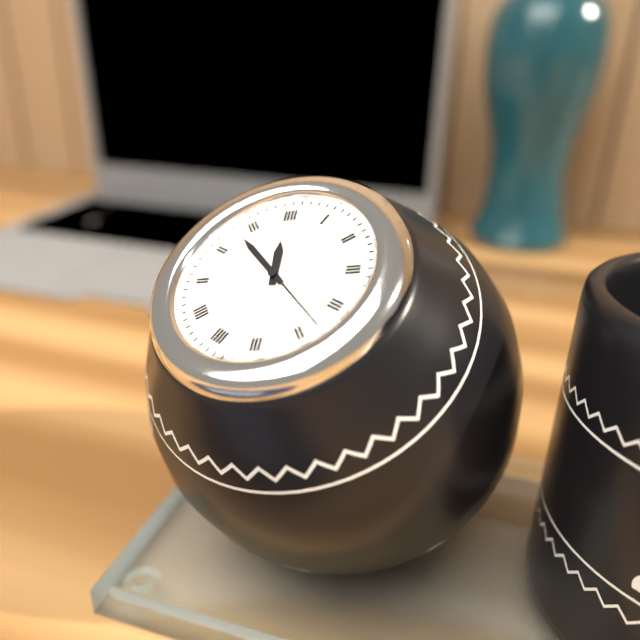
11:53:23
